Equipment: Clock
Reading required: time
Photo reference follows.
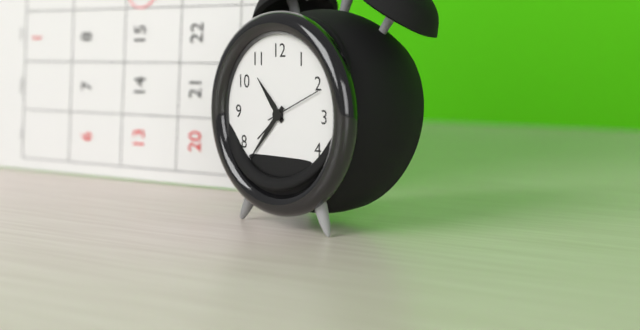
10:37:11
